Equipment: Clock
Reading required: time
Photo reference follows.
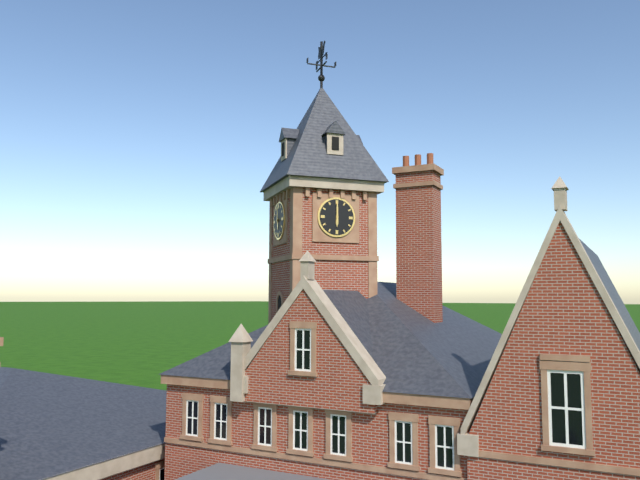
6:00
